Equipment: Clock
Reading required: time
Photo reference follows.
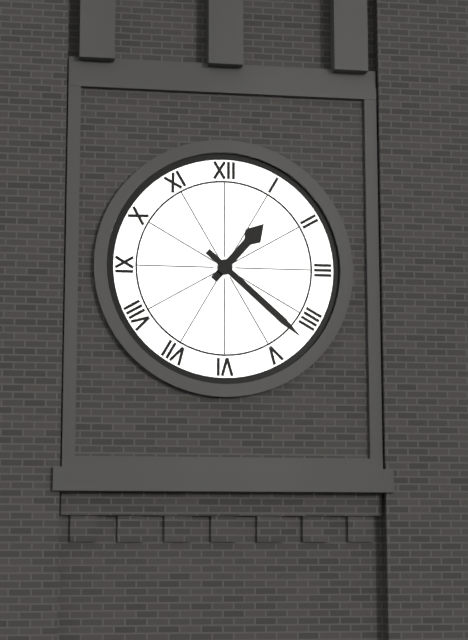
1:22
